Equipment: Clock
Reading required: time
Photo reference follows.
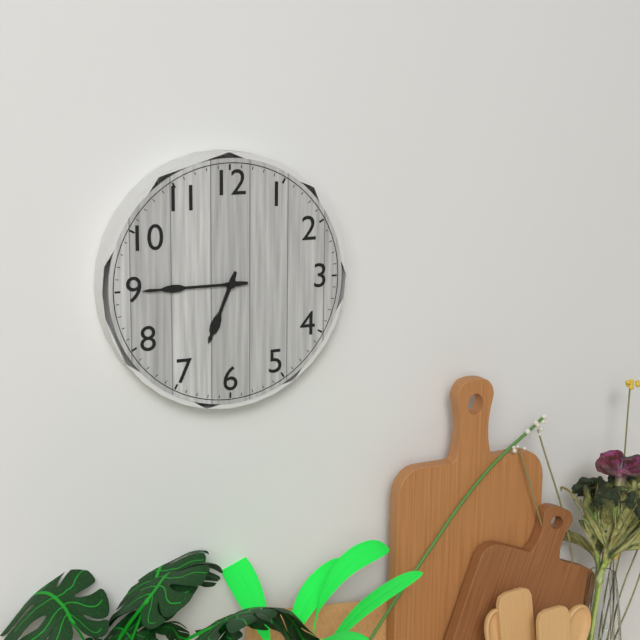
6:45
